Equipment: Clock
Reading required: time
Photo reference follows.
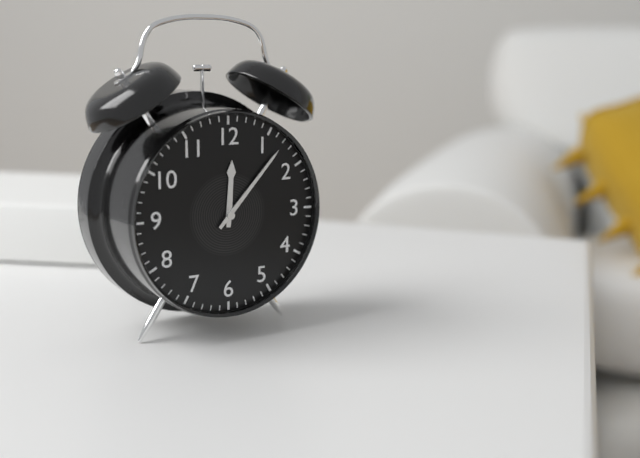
12:07
